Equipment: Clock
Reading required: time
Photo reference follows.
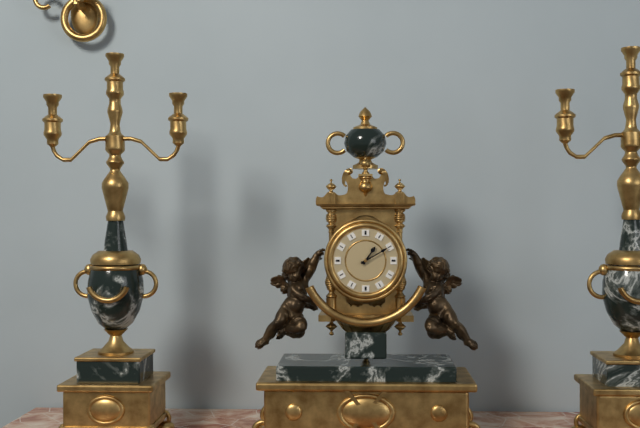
1:10
